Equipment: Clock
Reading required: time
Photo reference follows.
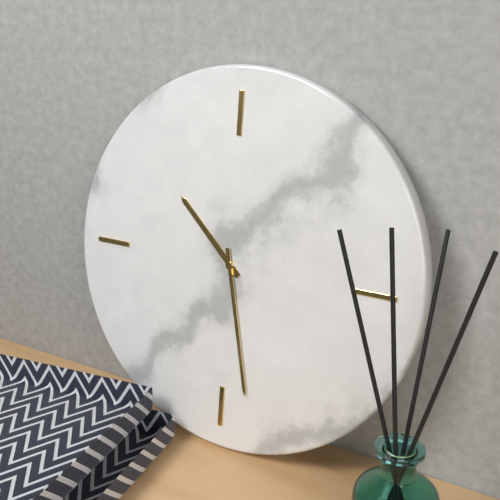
10:28
